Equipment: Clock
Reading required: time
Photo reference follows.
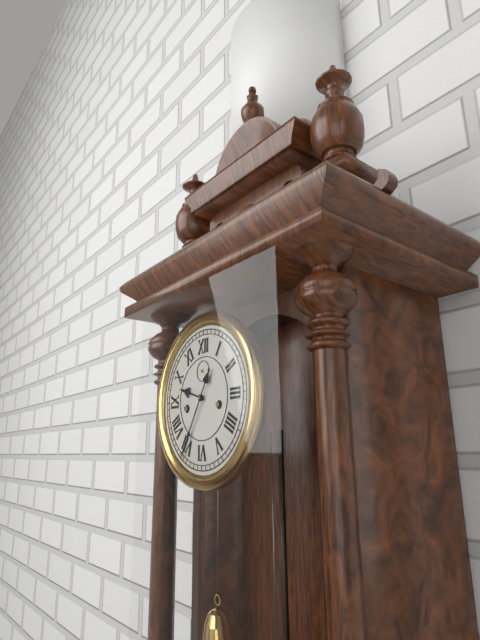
9:35
